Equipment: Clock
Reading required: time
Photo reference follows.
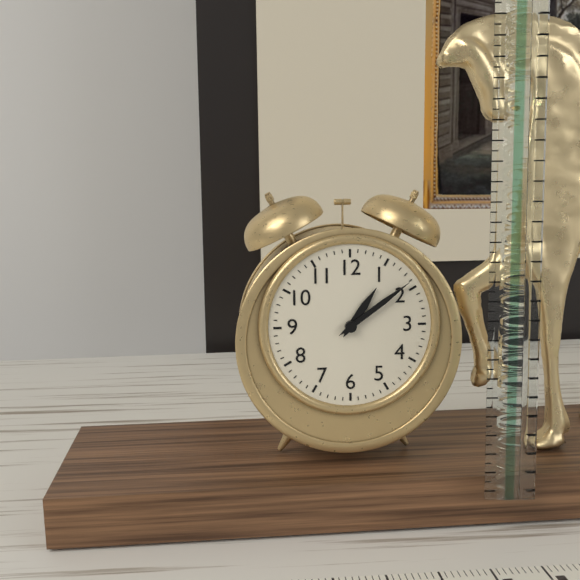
1:09
